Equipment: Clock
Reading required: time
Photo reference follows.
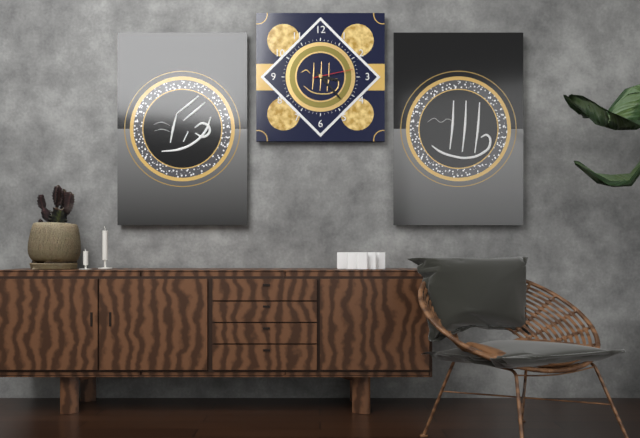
3:23
